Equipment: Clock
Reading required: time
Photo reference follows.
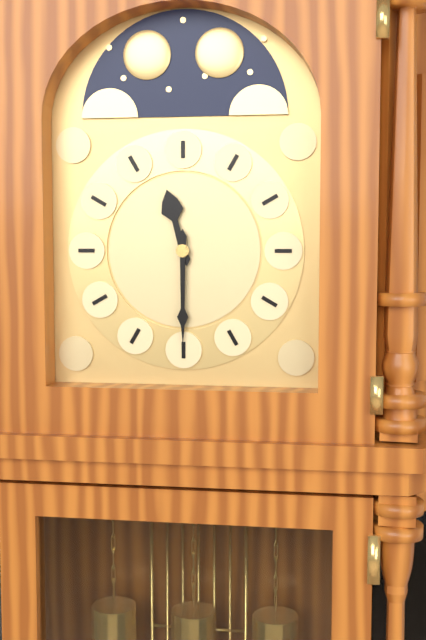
11:30
